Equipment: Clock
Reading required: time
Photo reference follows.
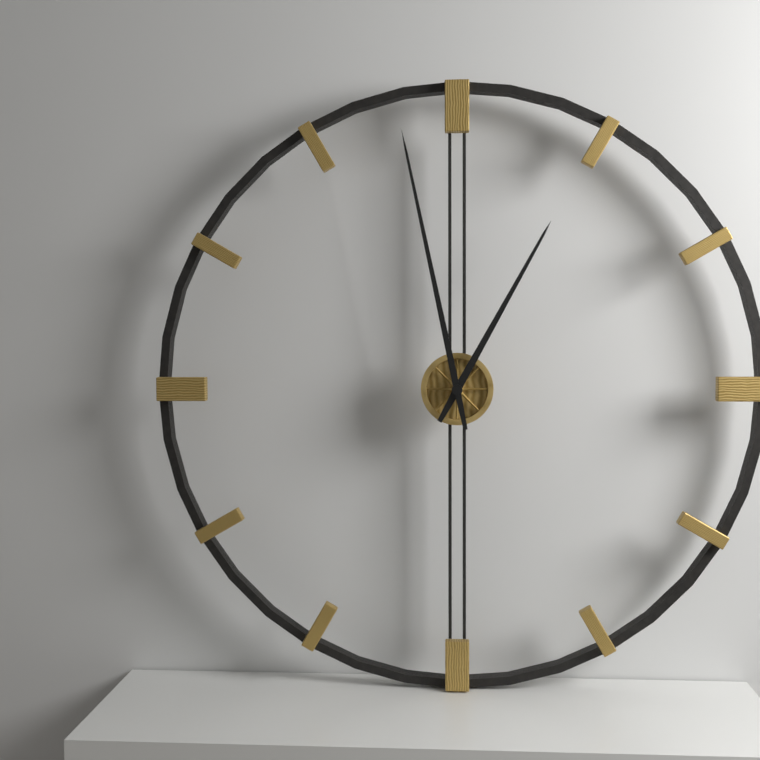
12:58
